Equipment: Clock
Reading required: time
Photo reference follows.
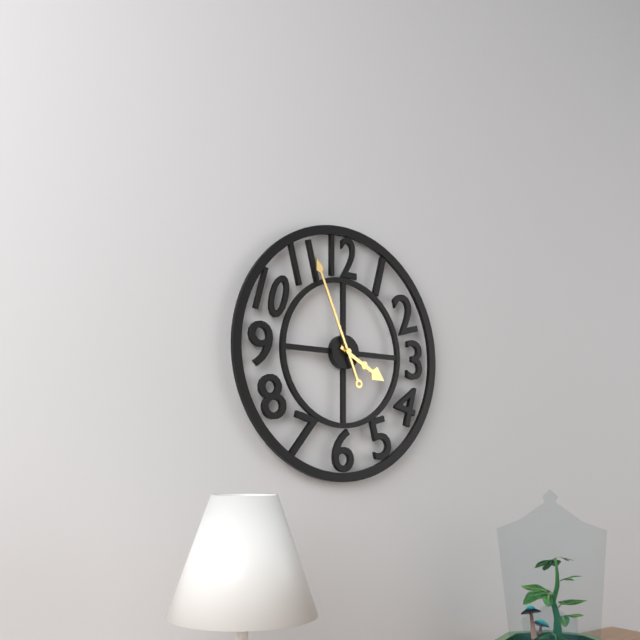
3:56
